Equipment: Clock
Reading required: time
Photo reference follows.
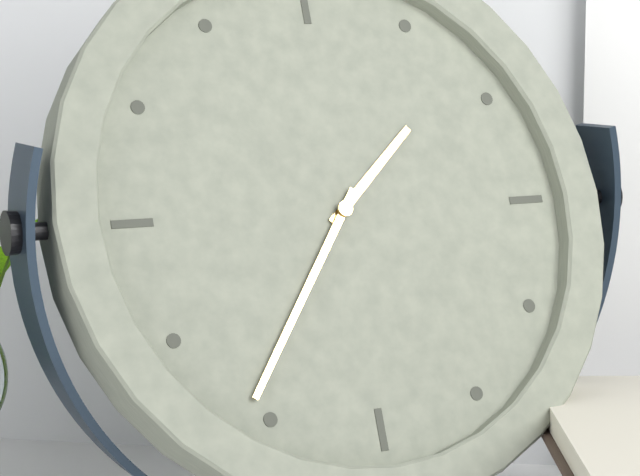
1:36
